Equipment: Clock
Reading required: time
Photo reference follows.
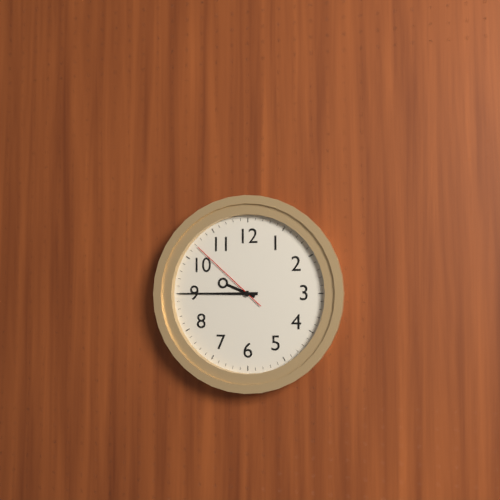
9:45:52
